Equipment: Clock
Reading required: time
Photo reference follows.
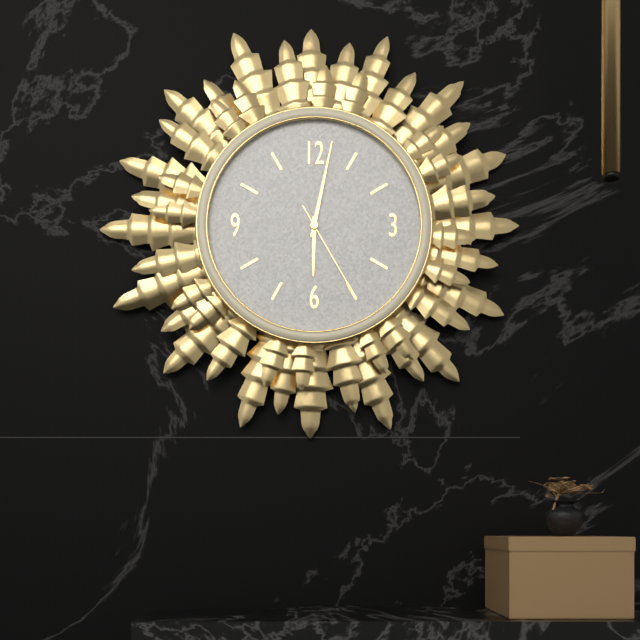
6:02:25
